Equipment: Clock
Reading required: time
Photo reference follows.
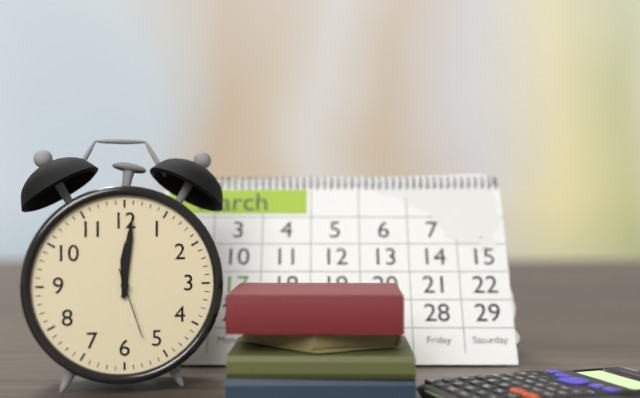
12:01:27
